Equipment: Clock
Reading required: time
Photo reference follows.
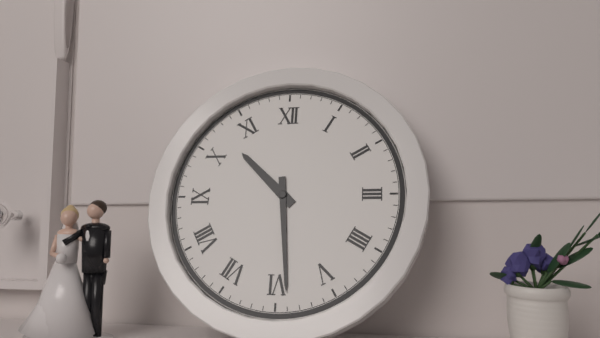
10:29
